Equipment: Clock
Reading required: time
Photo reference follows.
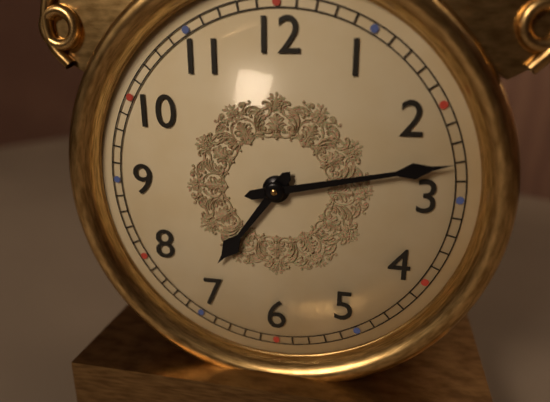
7:13
